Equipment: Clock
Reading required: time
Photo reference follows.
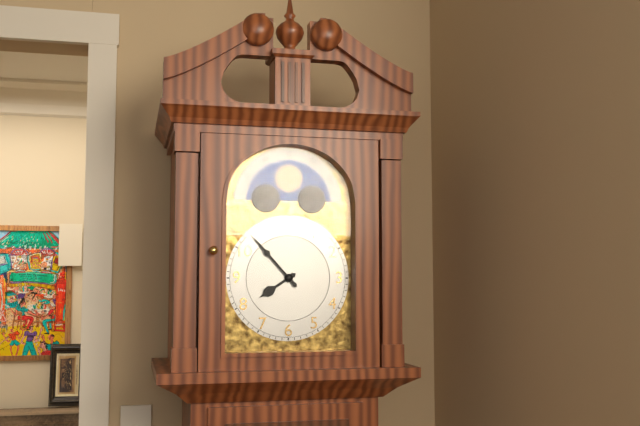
7:53
